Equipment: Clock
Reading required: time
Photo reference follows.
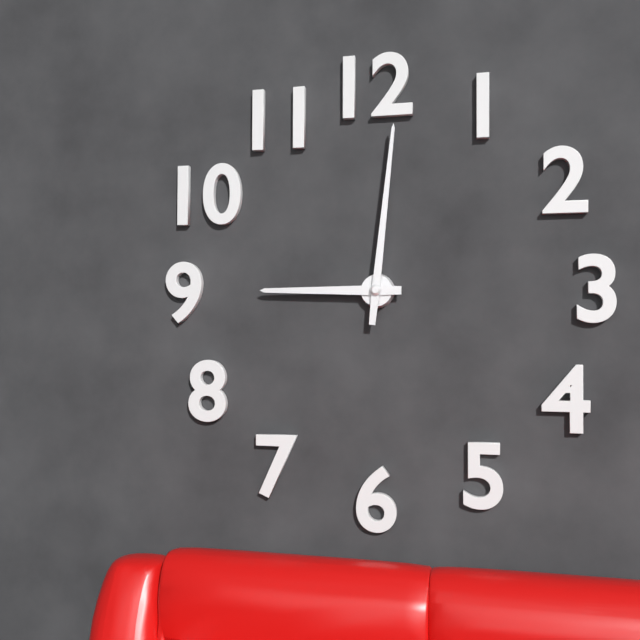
9:01
